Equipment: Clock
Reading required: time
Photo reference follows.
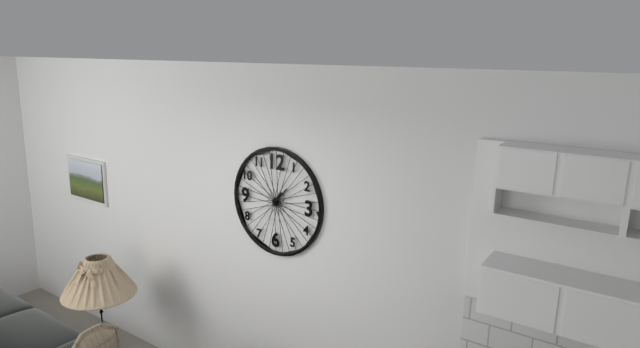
1:07
